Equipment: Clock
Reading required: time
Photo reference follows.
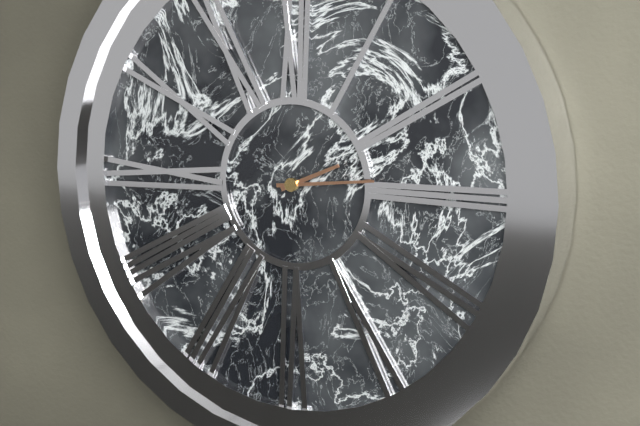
2:14
